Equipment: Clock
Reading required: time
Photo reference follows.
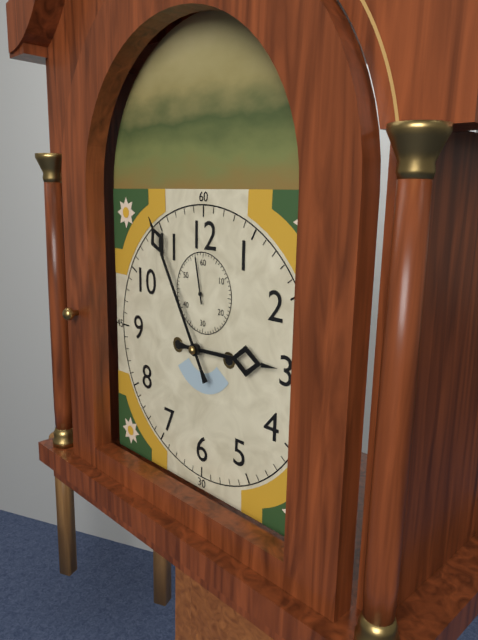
2:55
